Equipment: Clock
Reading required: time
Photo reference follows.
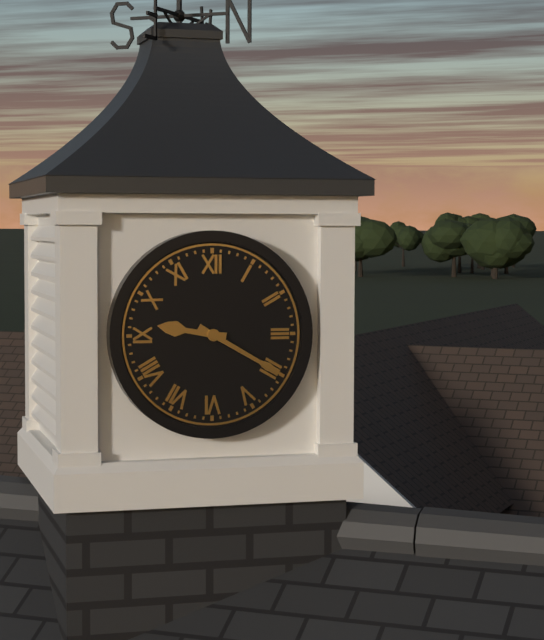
9:20
